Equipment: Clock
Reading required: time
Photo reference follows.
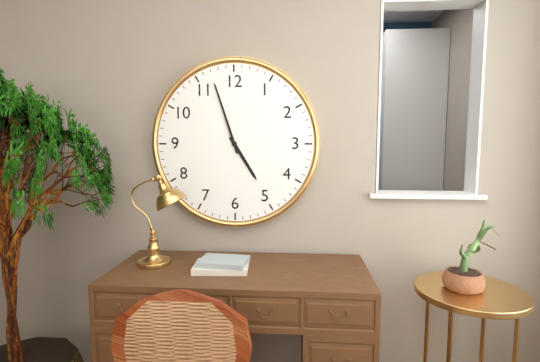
4:57
